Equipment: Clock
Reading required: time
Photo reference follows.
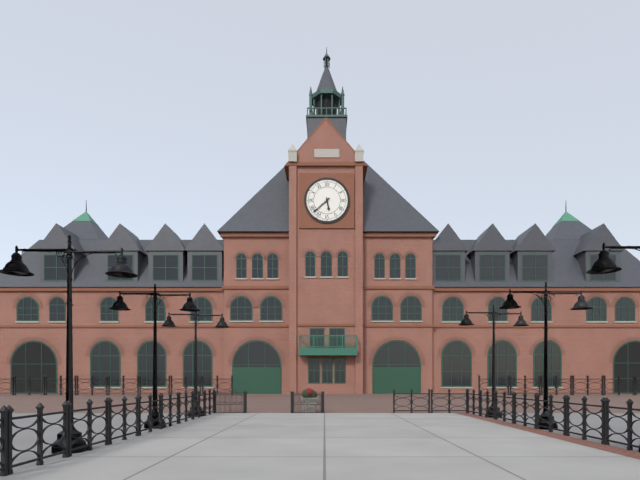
5:38
